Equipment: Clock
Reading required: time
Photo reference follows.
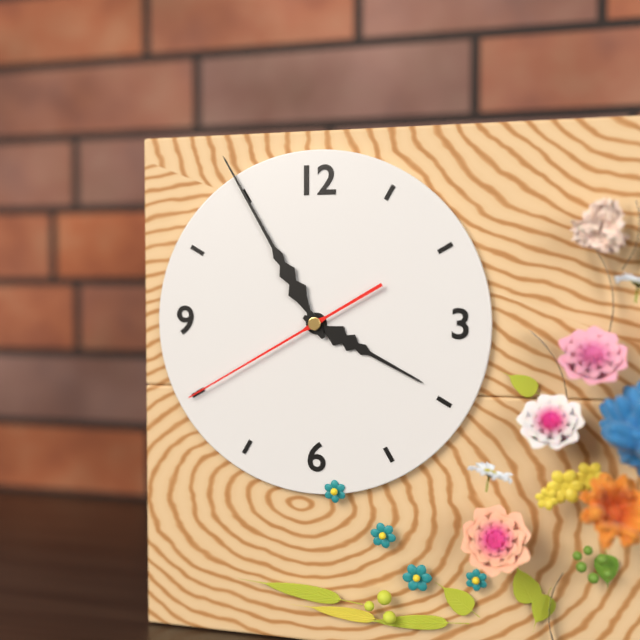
3:55:40
